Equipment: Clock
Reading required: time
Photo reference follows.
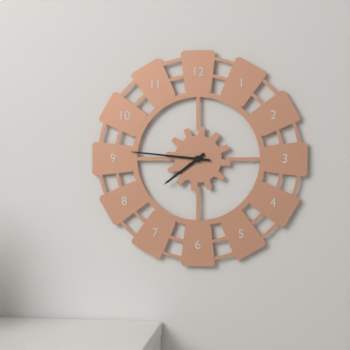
7:46
